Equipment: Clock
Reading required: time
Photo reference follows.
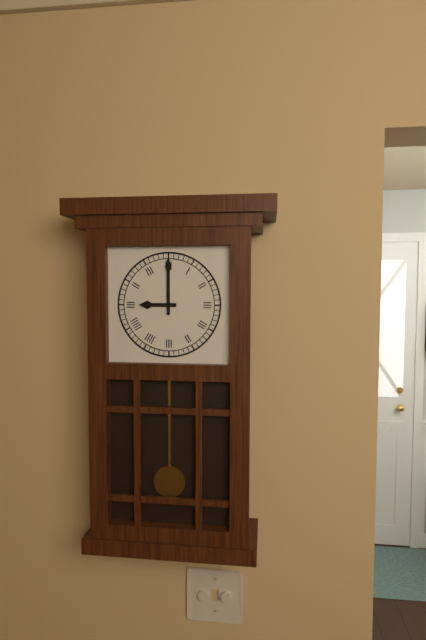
9:00
